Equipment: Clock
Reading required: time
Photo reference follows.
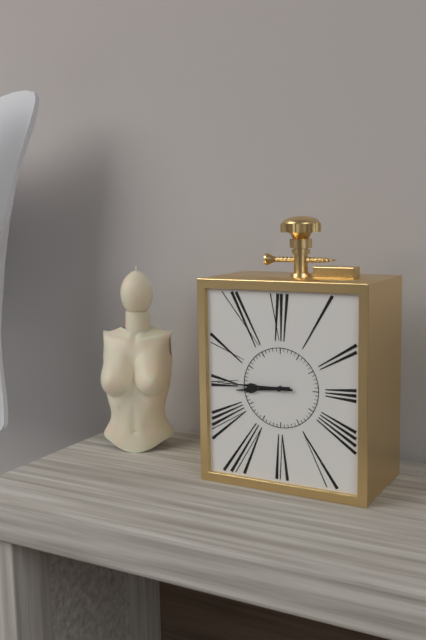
8:45
